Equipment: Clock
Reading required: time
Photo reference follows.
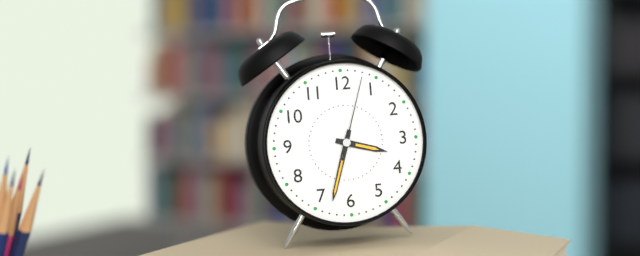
3:33:03
